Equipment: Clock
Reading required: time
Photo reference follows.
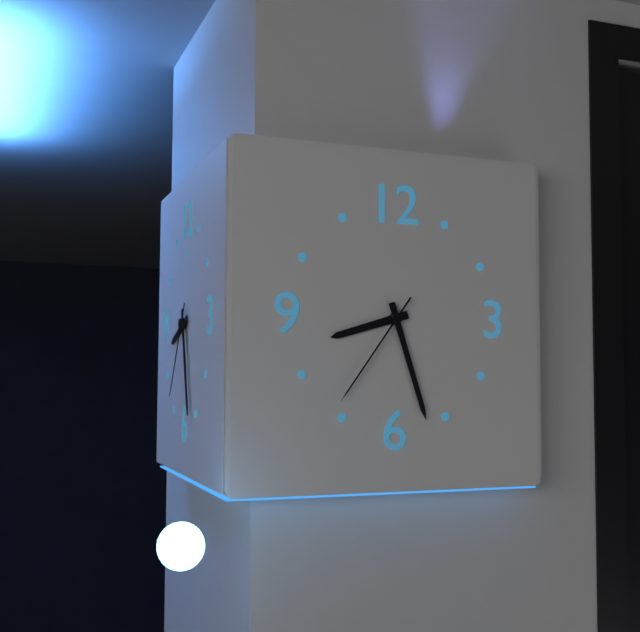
8:27:36
